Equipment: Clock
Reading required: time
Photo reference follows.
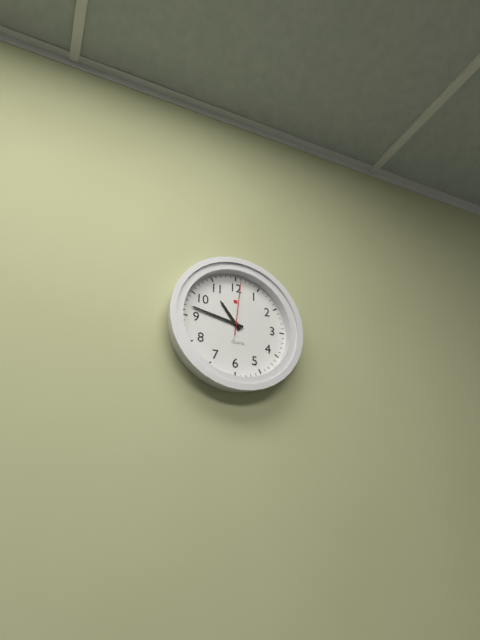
10:47:01
